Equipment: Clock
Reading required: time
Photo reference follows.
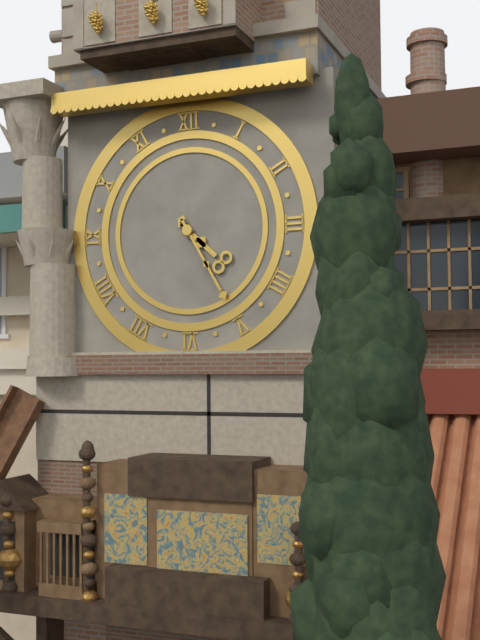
4:25
